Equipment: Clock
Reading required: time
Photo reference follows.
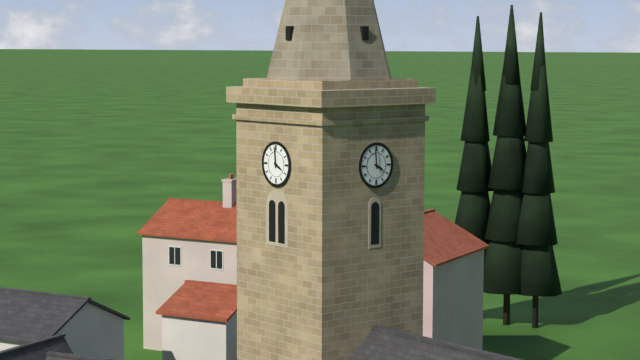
3:59
